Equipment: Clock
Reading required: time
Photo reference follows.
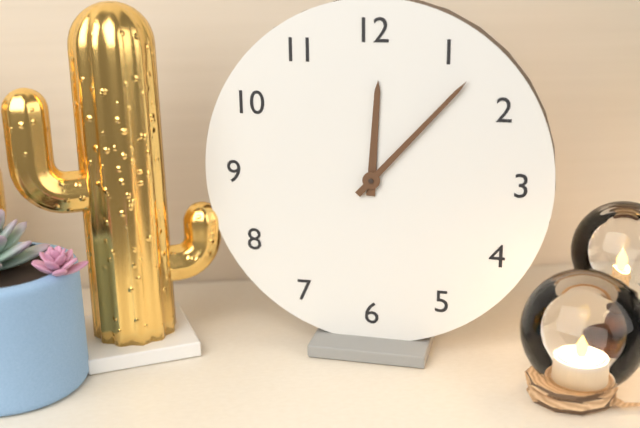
12:07
